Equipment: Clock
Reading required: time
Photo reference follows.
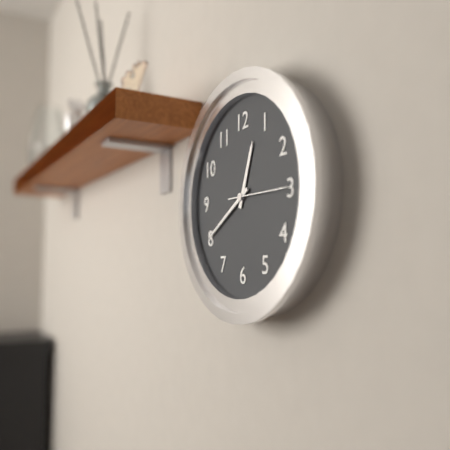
12:40:15
